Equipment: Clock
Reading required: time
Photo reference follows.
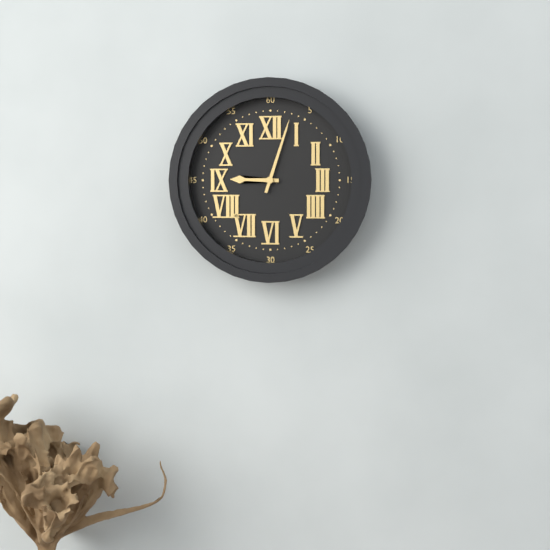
9:03
